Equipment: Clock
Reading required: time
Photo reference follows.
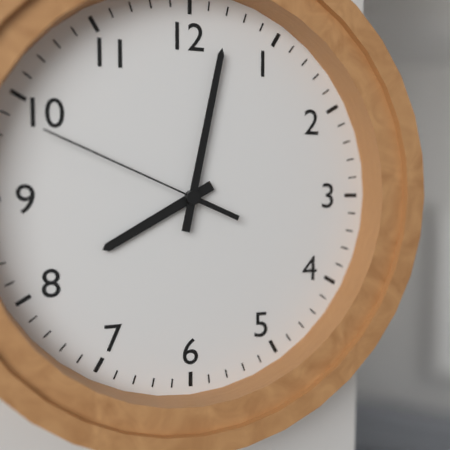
8:02:49
